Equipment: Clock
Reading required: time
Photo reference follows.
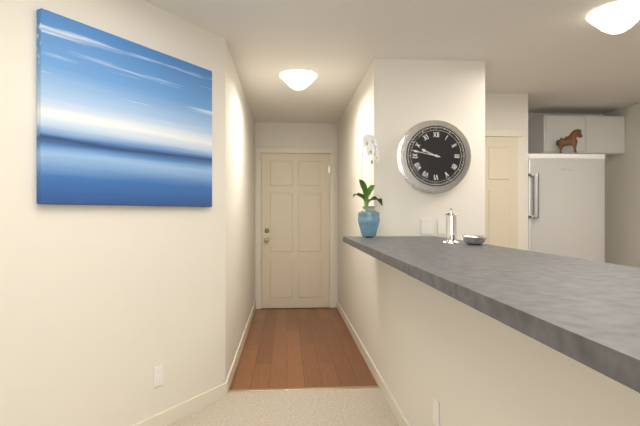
9:47
